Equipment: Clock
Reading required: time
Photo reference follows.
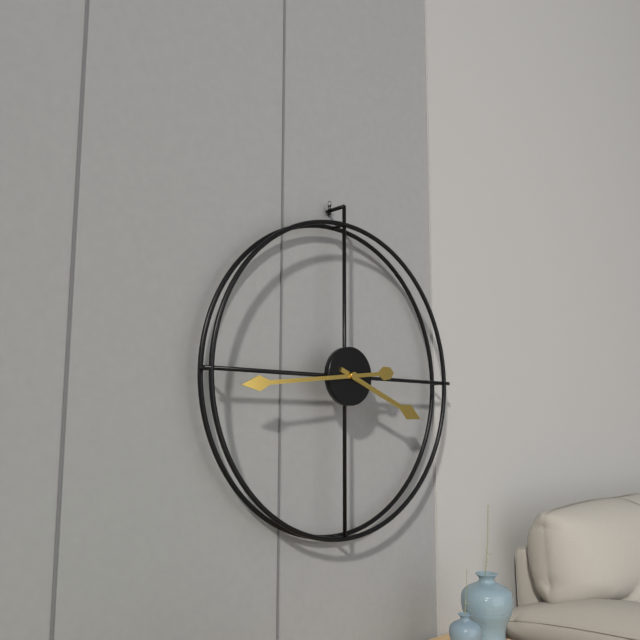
3:44
